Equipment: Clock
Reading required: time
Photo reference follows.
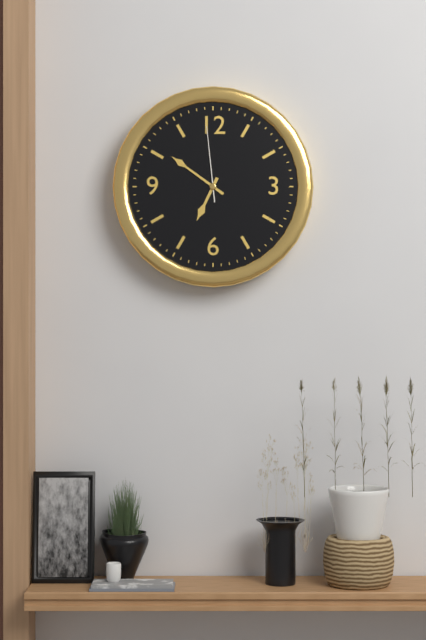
6:51:59
